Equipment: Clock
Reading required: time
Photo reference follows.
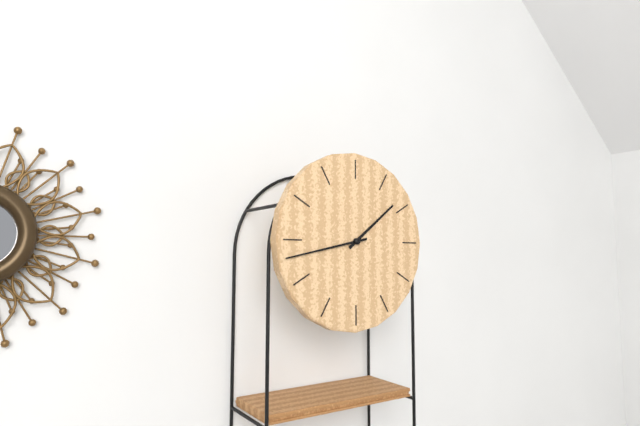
1:43
